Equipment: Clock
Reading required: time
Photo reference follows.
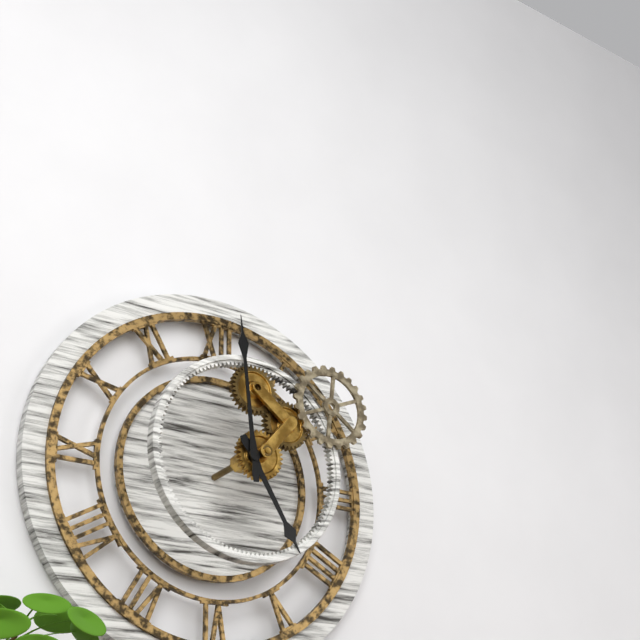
4:59
